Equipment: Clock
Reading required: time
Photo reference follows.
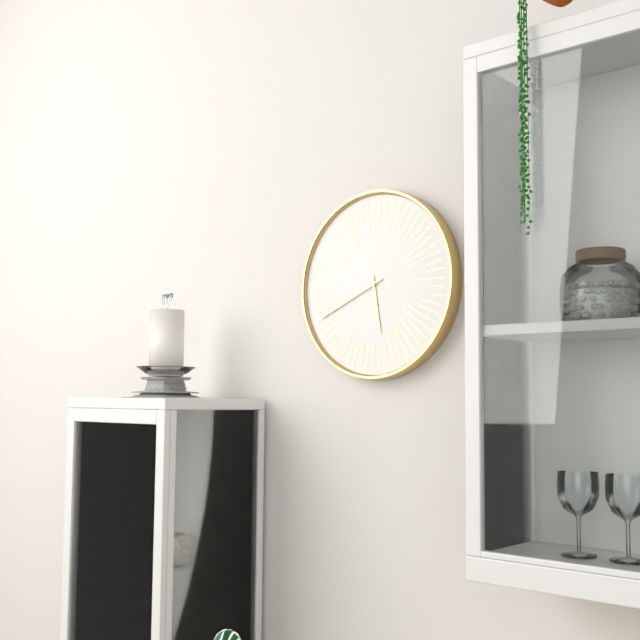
5:41
